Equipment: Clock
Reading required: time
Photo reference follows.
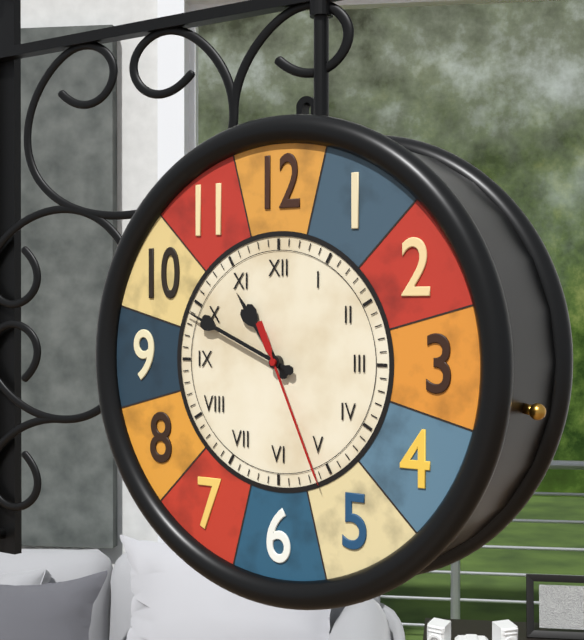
10:49:26
